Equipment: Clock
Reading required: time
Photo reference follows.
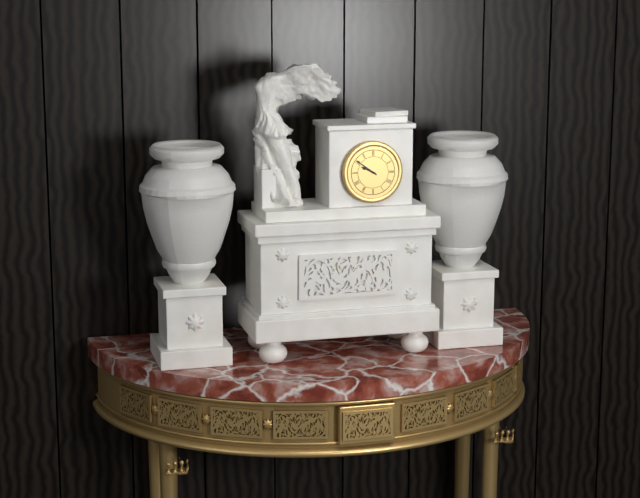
9:51
